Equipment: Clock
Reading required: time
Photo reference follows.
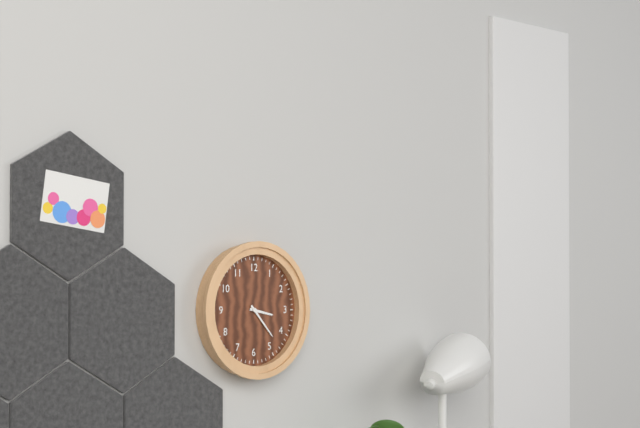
3:23
